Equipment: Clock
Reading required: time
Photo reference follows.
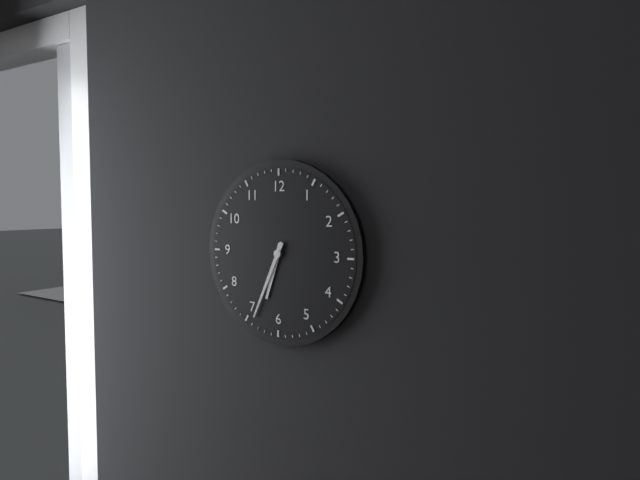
6:34
